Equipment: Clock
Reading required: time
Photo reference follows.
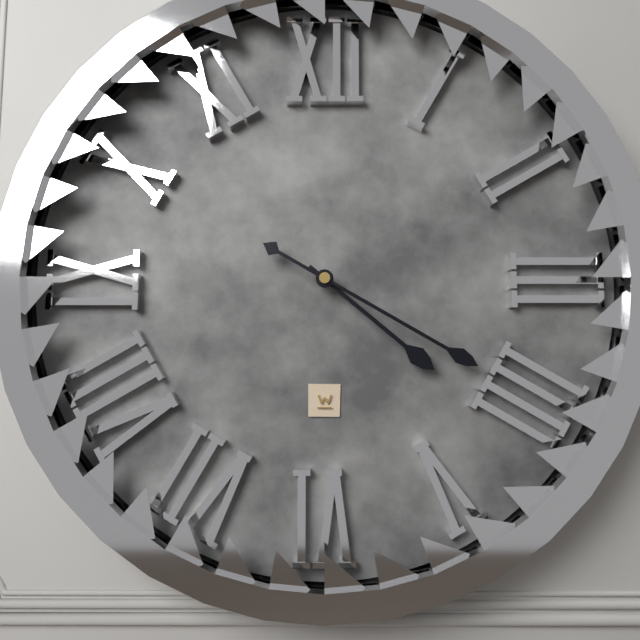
4:20
